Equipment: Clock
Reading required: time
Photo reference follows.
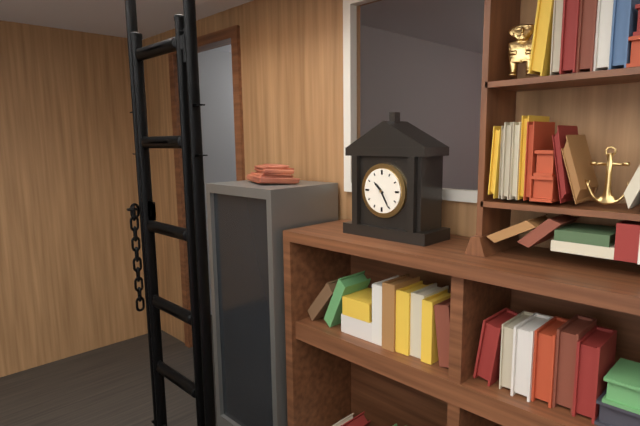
10:25
